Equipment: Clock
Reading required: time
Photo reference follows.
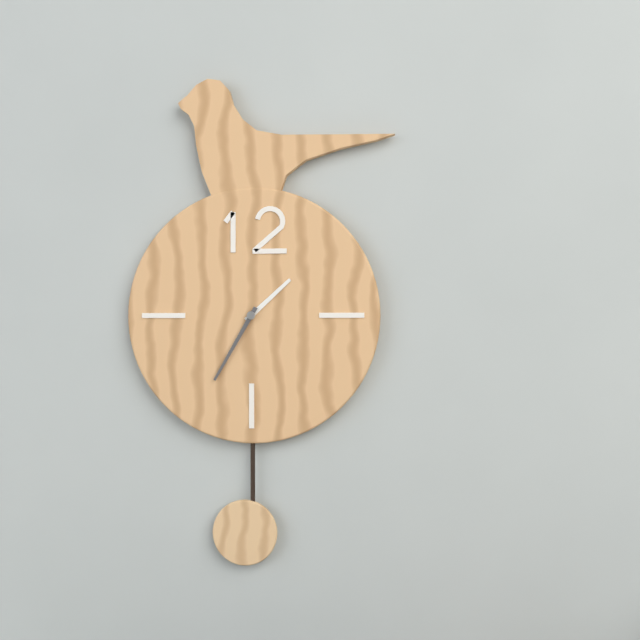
1:35
